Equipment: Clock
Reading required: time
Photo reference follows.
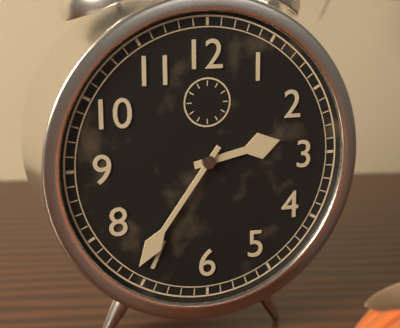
2:36
